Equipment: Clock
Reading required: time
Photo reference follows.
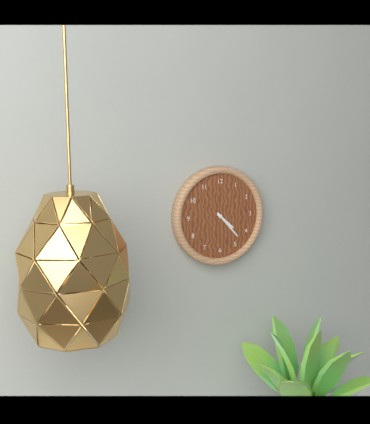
4:23
